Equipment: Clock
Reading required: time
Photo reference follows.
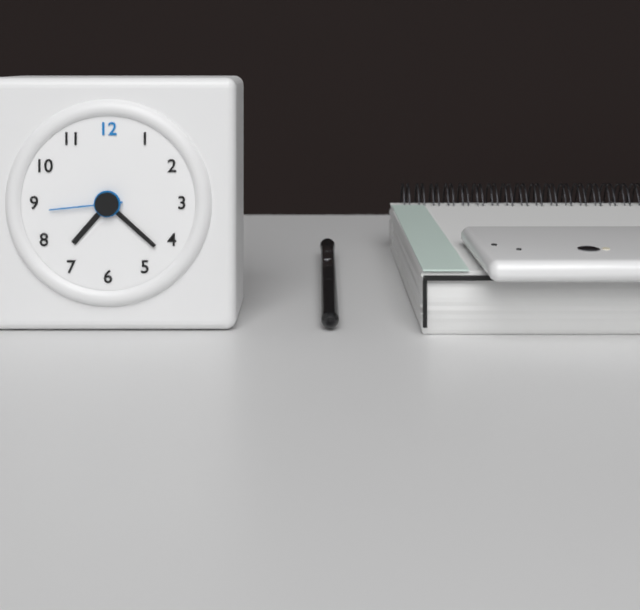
7:22:44
